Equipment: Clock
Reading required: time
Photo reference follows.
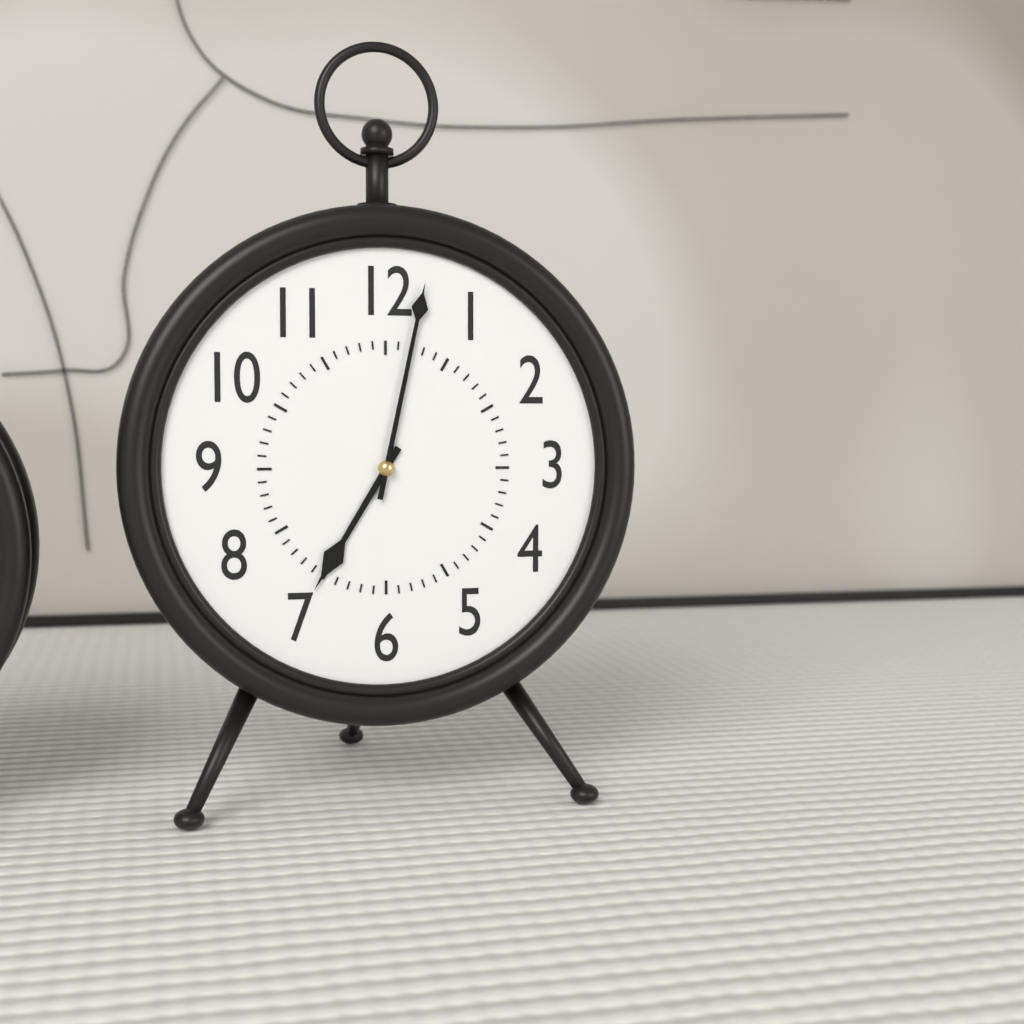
7:02
